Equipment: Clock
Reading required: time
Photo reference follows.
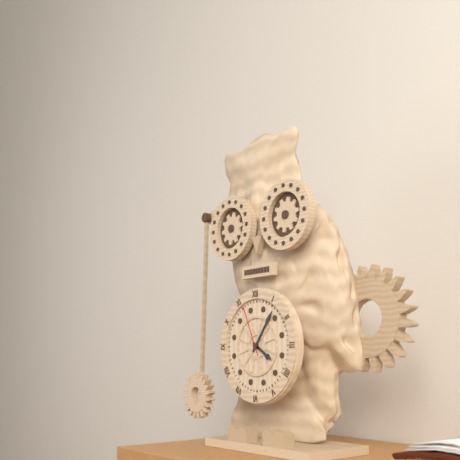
4:06:56
